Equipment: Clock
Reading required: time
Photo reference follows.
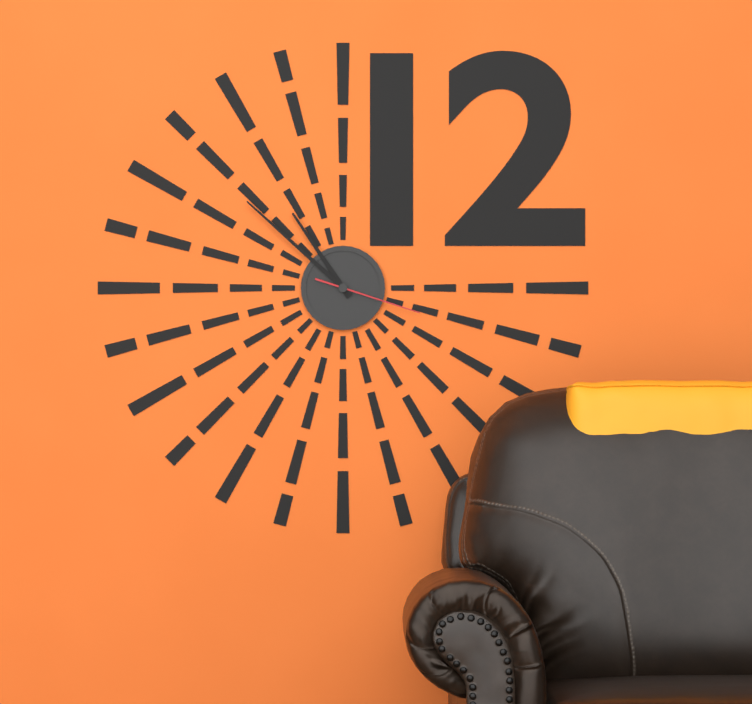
10:52:18
